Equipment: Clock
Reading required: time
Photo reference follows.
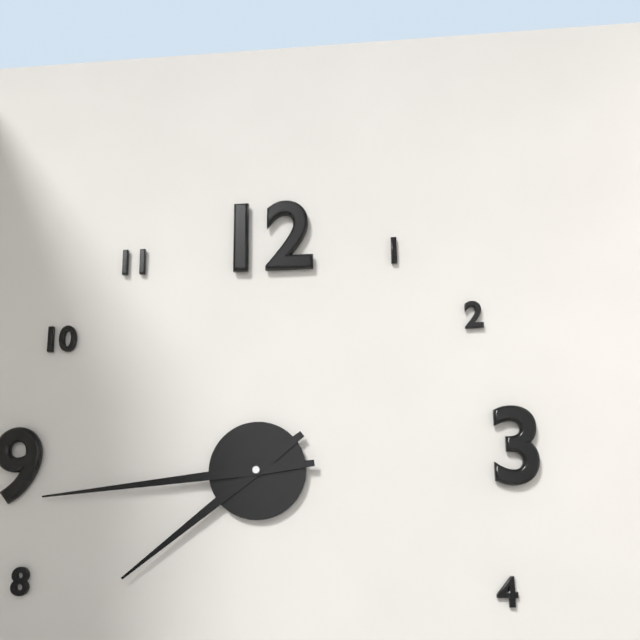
7:44
